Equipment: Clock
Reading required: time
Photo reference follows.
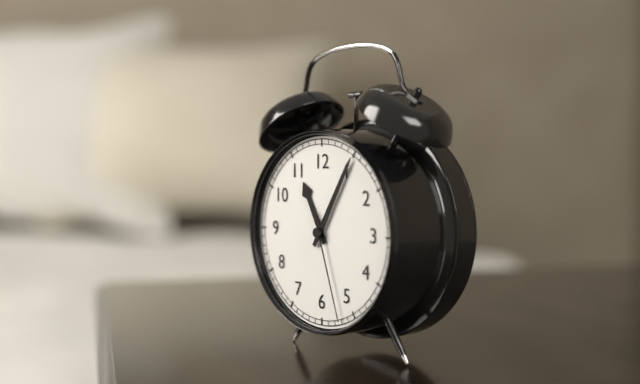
11:05:27
